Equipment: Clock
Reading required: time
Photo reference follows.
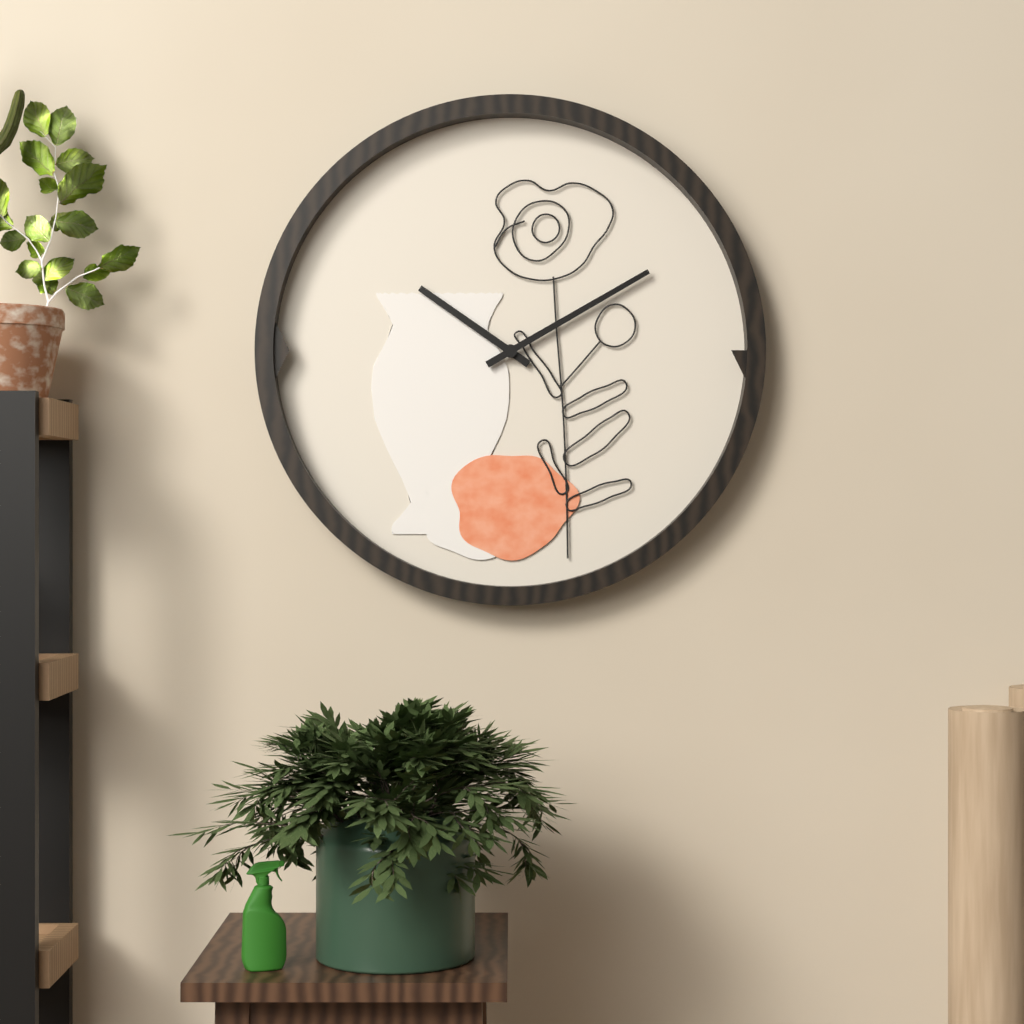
10:10
